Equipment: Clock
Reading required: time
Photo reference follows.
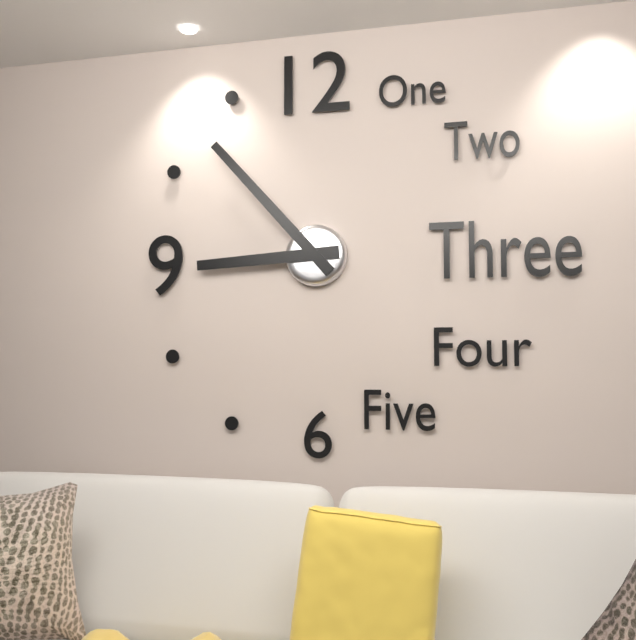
8:53
